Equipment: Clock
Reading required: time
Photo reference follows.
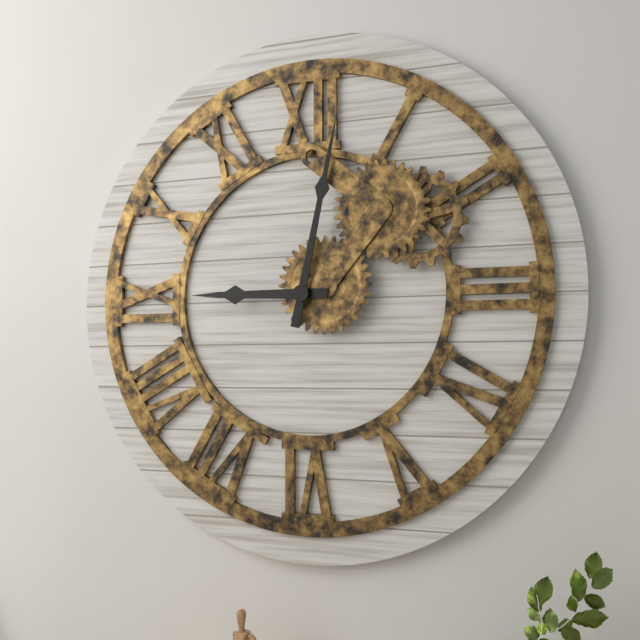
9:02
